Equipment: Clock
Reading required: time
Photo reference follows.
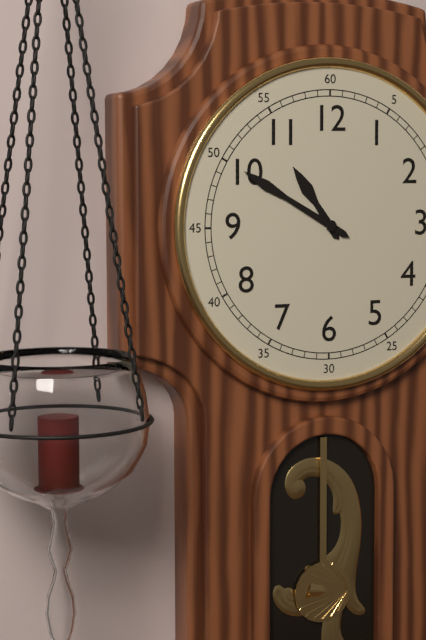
10:50
